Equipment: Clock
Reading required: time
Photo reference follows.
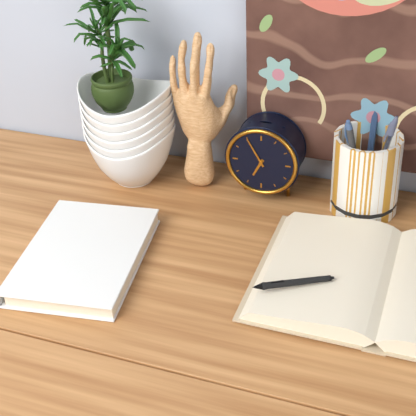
6:55
